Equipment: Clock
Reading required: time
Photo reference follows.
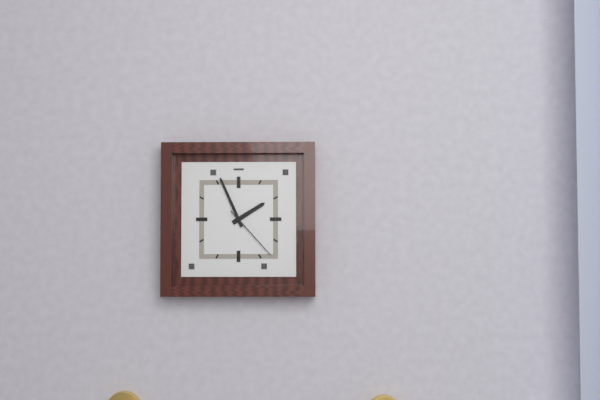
1:56:23
